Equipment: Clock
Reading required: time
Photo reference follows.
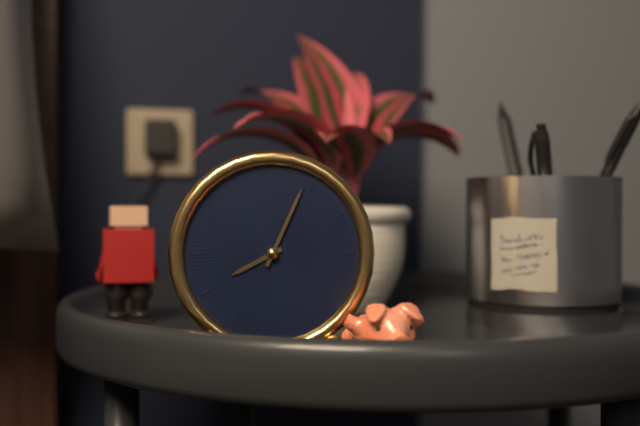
8:04
